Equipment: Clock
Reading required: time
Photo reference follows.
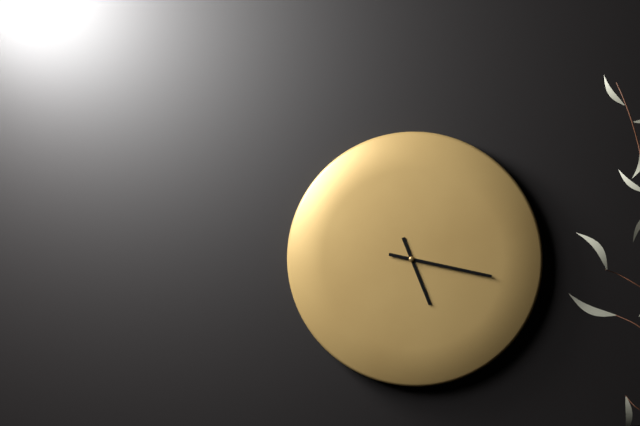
5:17
